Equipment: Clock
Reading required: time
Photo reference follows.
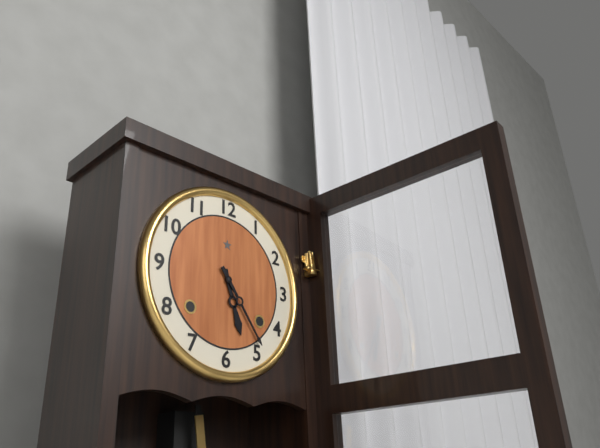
5:24
